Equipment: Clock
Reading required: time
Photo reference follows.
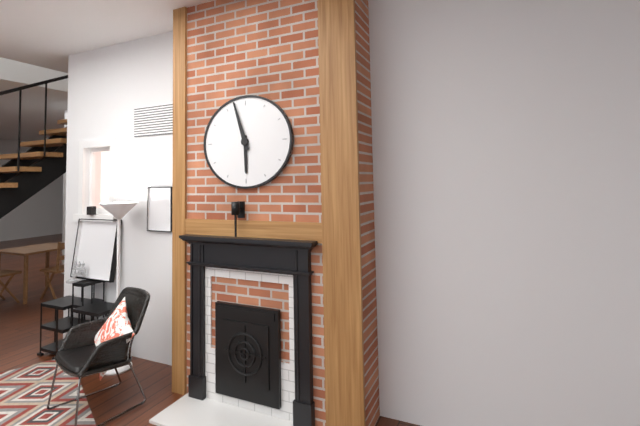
5:57
